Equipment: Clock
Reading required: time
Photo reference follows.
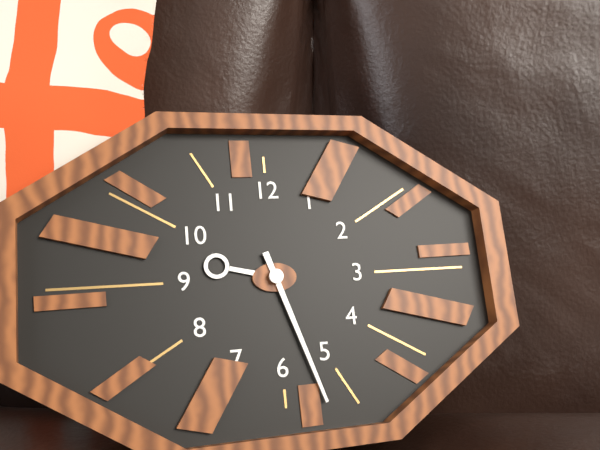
9:27
